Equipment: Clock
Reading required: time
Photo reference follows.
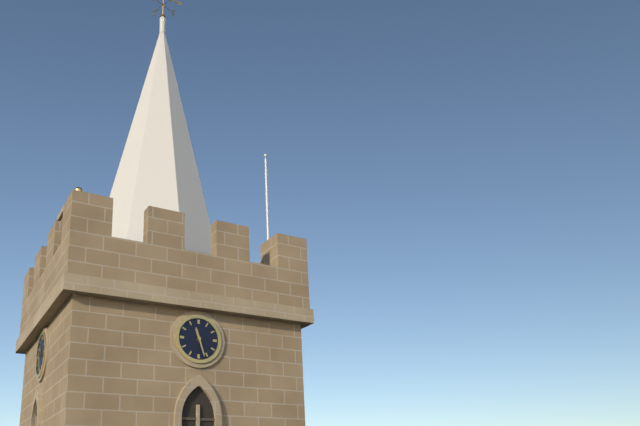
11:27
